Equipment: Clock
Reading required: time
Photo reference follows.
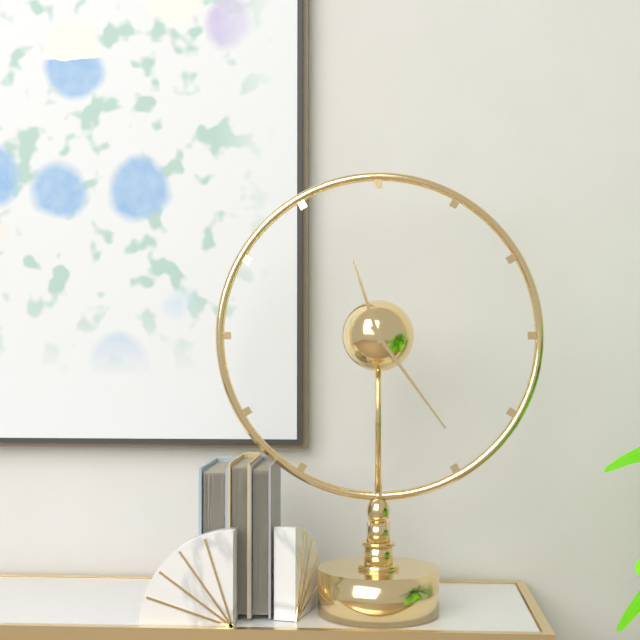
11:24
